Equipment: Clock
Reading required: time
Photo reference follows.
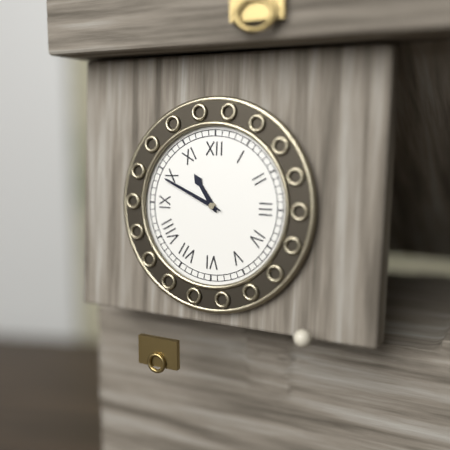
10:49
